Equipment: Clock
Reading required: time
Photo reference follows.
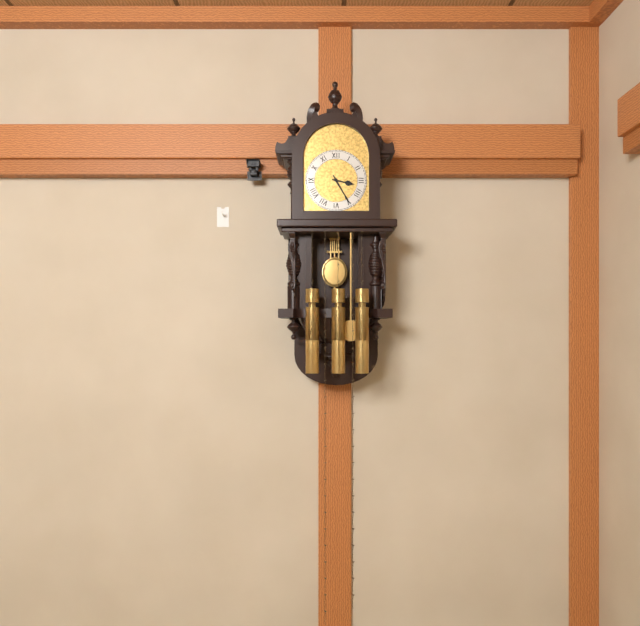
3:25
